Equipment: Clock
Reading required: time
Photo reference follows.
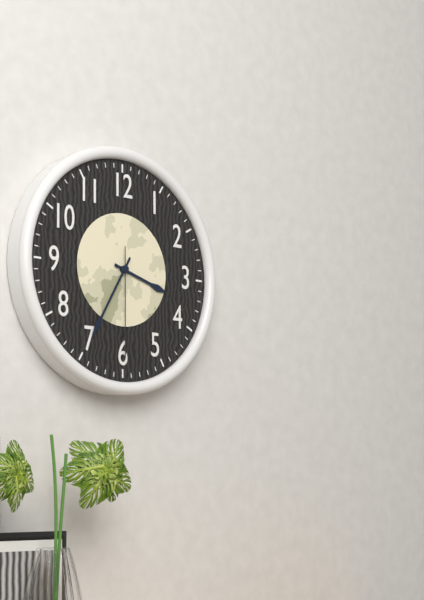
3:35:30
